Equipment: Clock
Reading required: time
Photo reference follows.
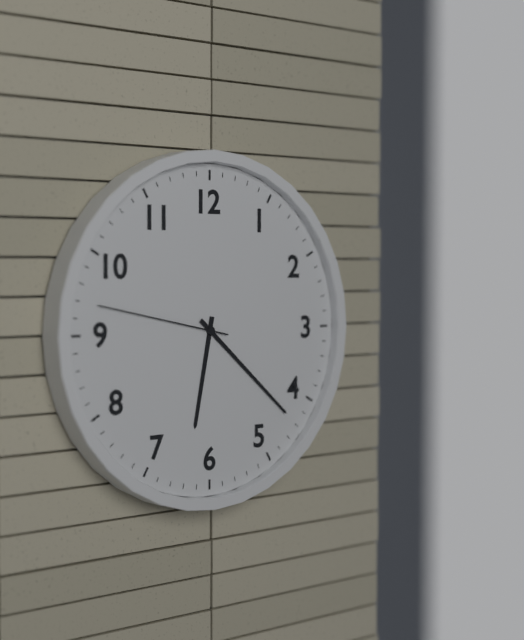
6:22:47
